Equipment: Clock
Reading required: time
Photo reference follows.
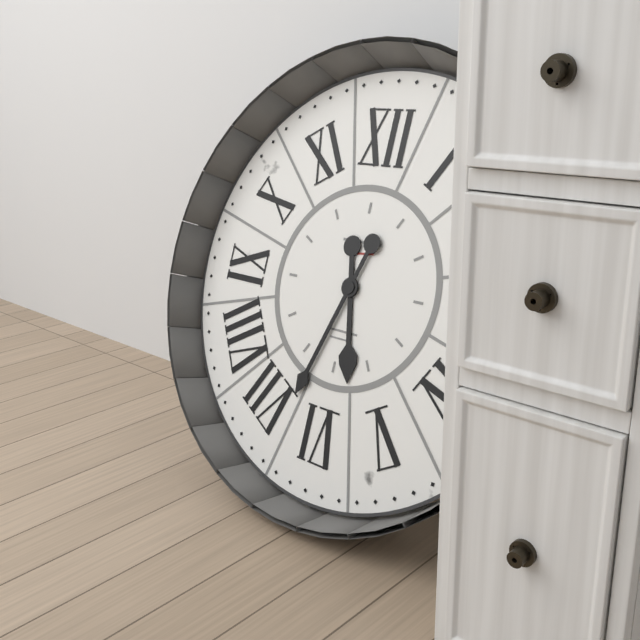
5:33
